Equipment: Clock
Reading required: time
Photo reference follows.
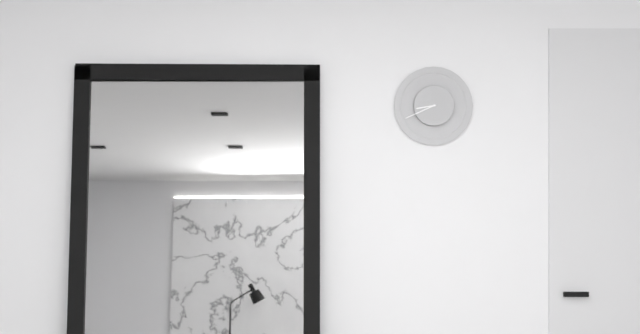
8:41
